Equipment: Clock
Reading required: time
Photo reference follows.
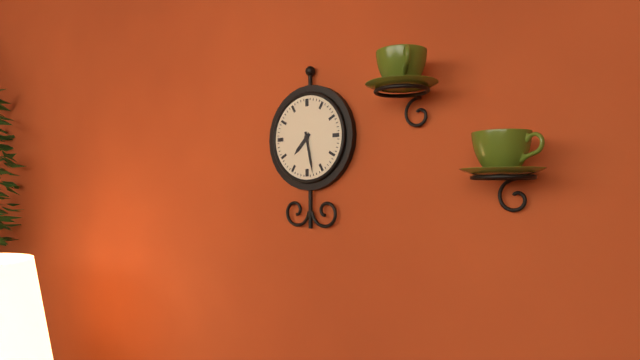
7:28
